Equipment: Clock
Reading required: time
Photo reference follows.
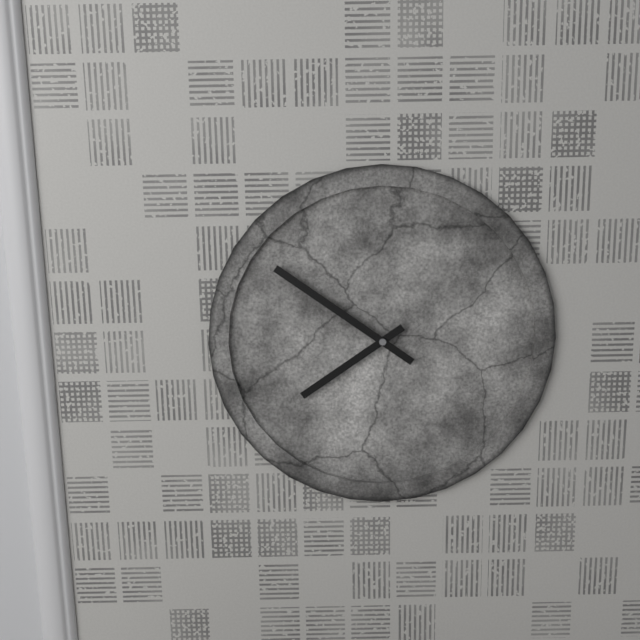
7:51
